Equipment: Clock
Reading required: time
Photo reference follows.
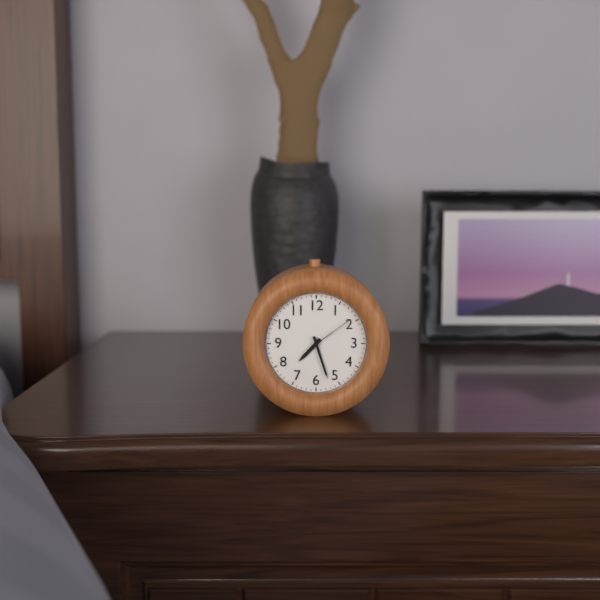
7:27:09
